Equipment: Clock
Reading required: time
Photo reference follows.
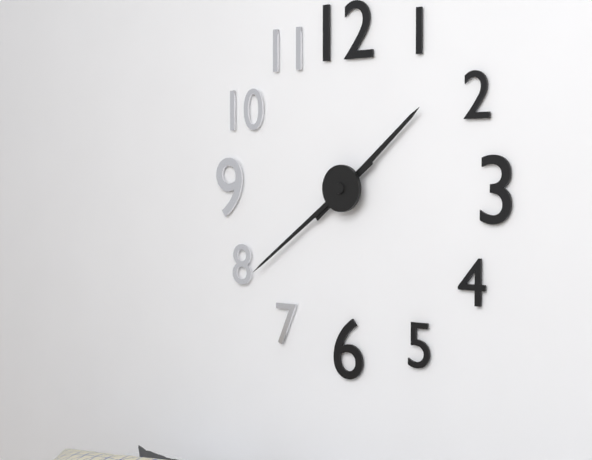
1:39
